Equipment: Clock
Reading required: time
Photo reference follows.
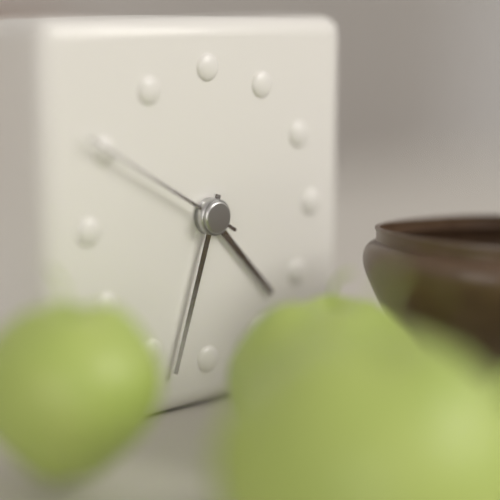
4:33:50
